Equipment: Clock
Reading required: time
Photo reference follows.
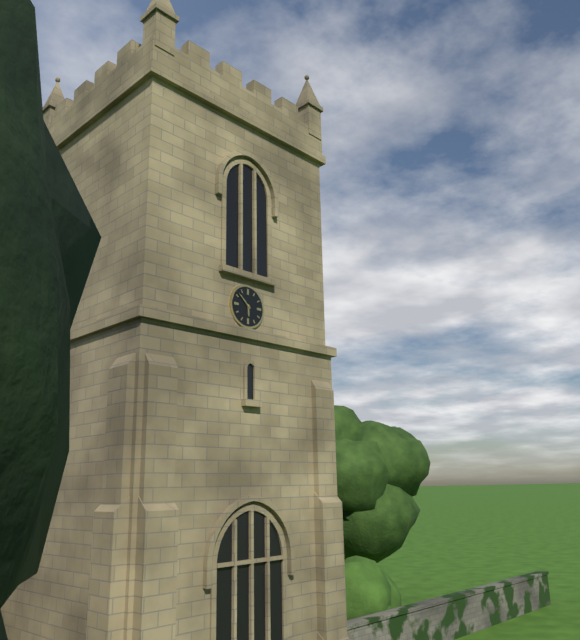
5:52
